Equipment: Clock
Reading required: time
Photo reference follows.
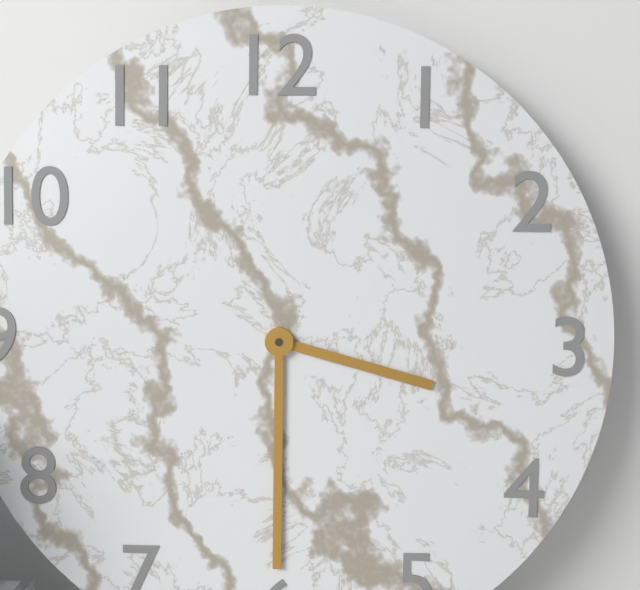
3:30
